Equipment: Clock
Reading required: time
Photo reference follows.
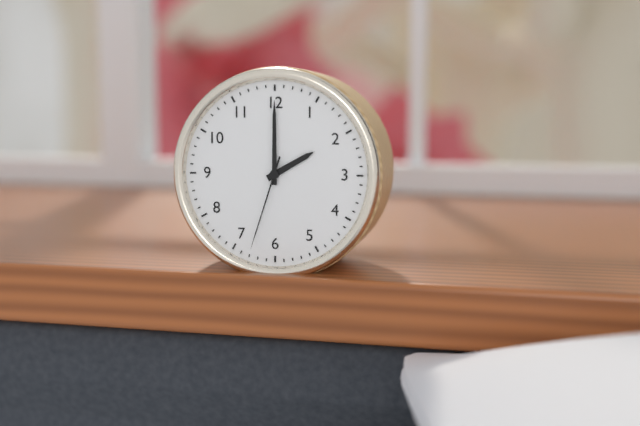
2:00:33
